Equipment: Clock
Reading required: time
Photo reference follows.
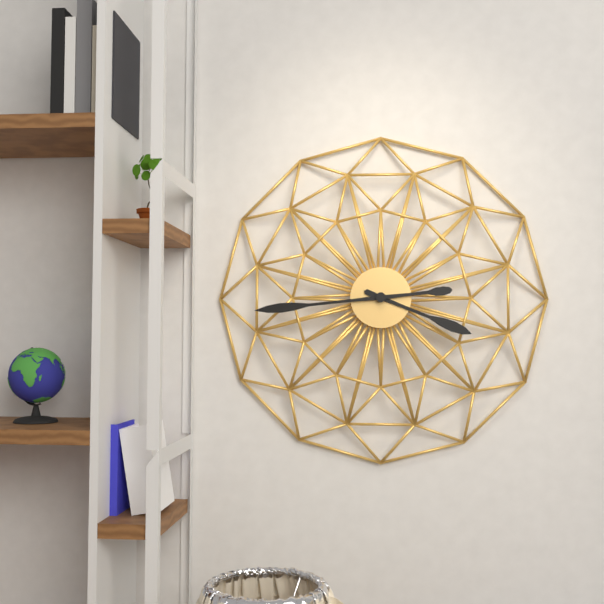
3:44
